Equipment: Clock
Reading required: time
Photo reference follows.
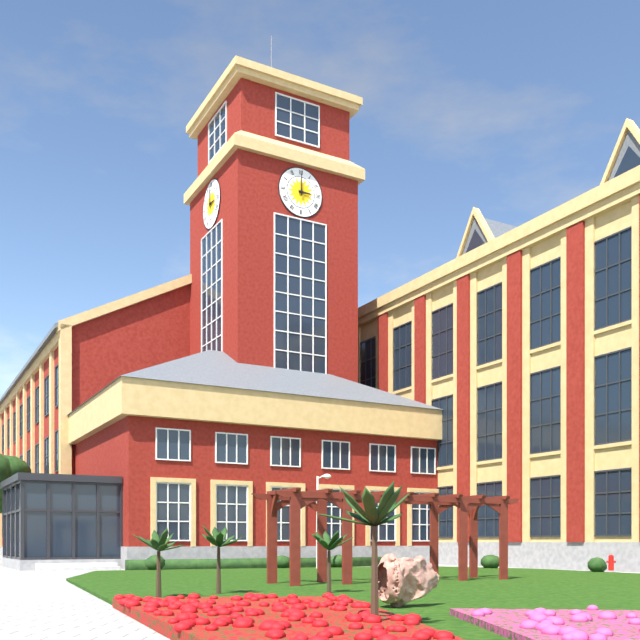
3:00
